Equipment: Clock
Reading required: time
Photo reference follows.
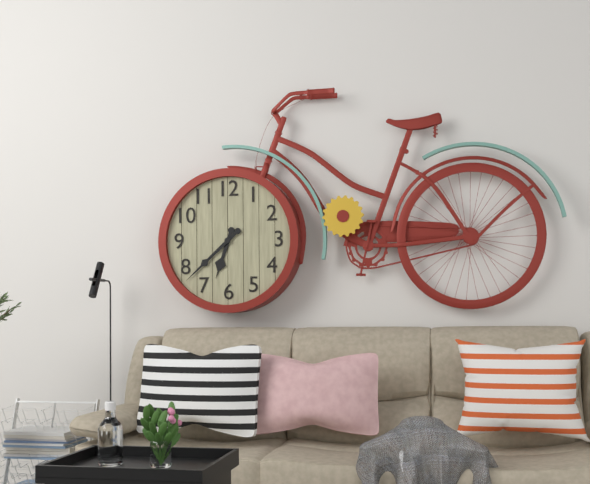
6:38
